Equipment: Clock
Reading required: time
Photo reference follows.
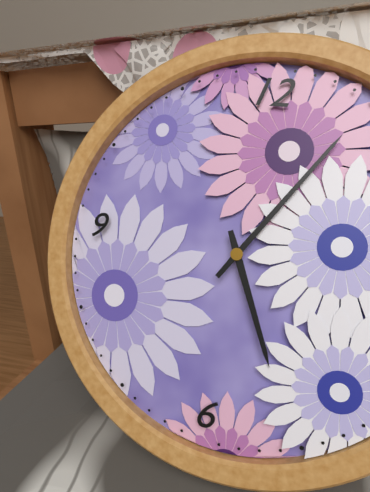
5:05
